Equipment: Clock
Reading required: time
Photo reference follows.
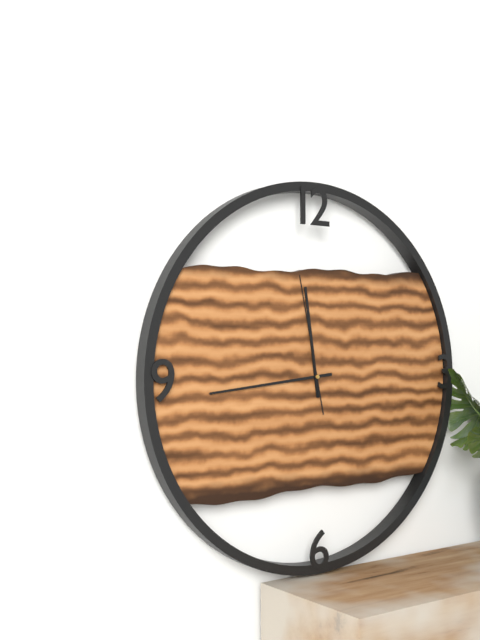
11:44:58
